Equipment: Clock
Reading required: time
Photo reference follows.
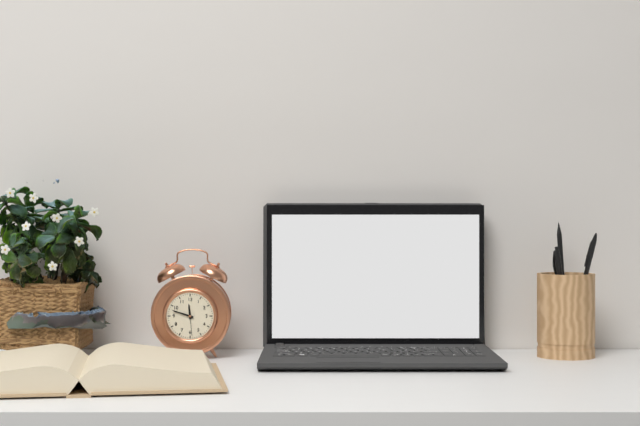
11:48
